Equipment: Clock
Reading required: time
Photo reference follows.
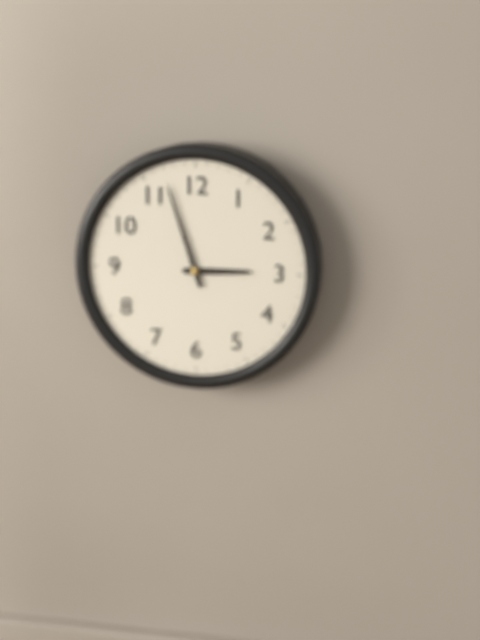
2:57
